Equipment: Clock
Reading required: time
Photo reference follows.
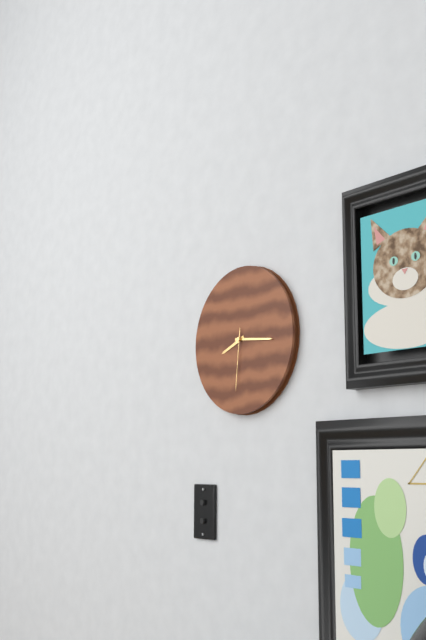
8:16:31
